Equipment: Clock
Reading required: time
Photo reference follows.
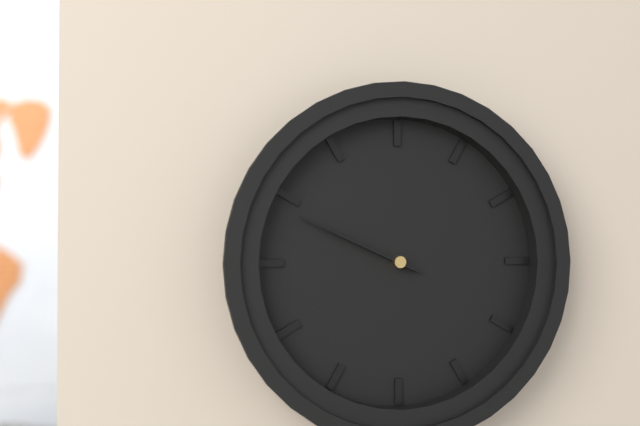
9:49
